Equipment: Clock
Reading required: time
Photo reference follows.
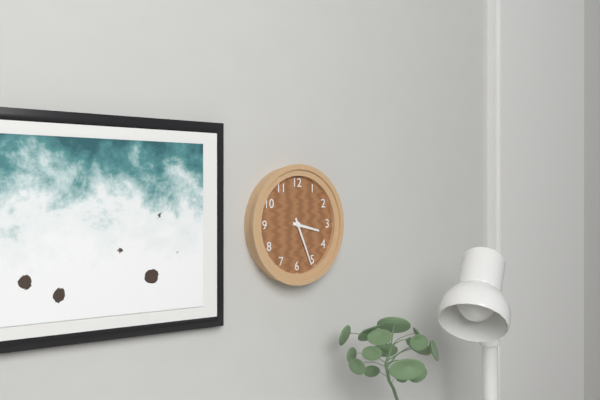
3:26
